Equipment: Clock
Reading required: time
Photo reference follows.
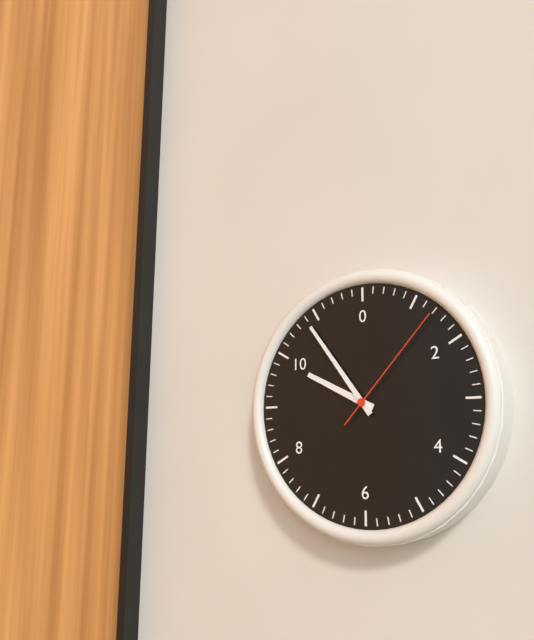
9:54:07
